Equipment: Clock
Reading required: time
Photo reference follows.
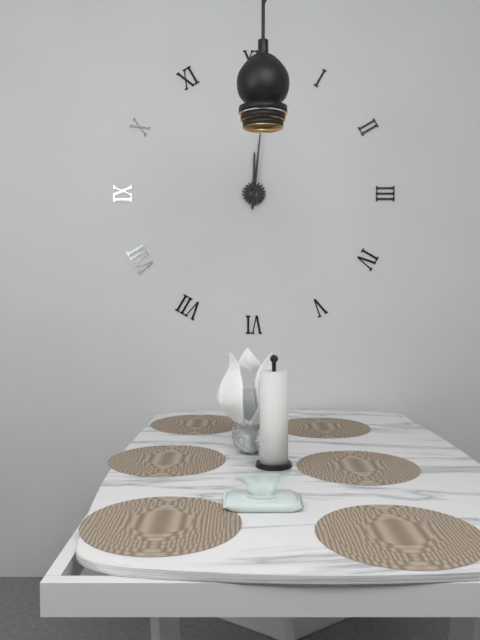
12:01
